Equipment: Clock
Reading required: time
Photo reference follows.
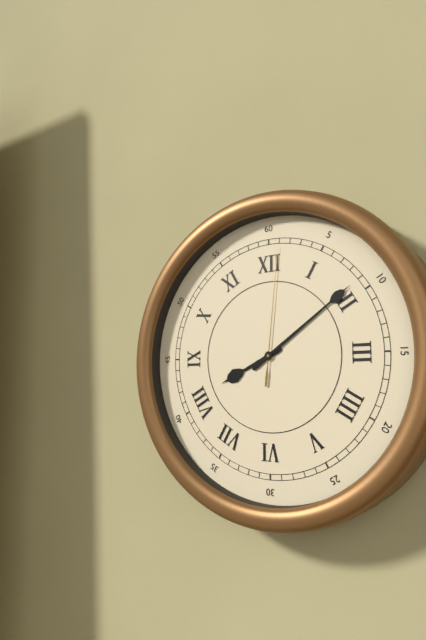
8:09:01
